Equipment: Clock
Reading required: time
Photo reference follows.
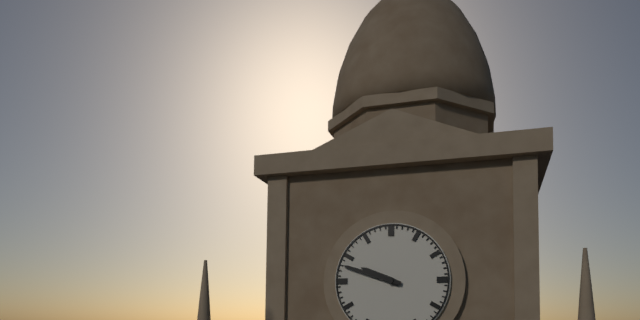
9:48
